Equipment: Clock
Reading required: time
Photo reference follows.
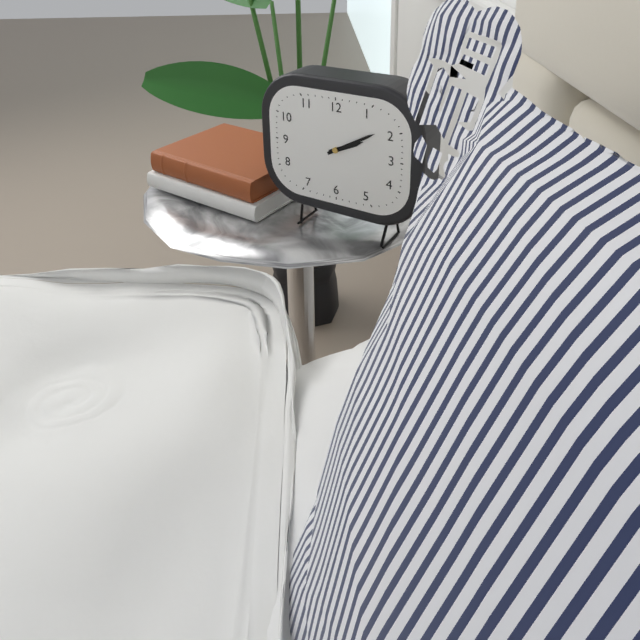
2:10
